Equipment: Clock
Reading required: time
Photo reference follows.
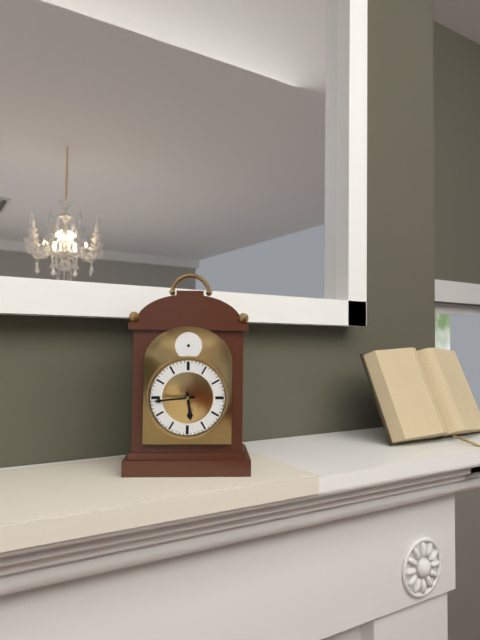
5:44
